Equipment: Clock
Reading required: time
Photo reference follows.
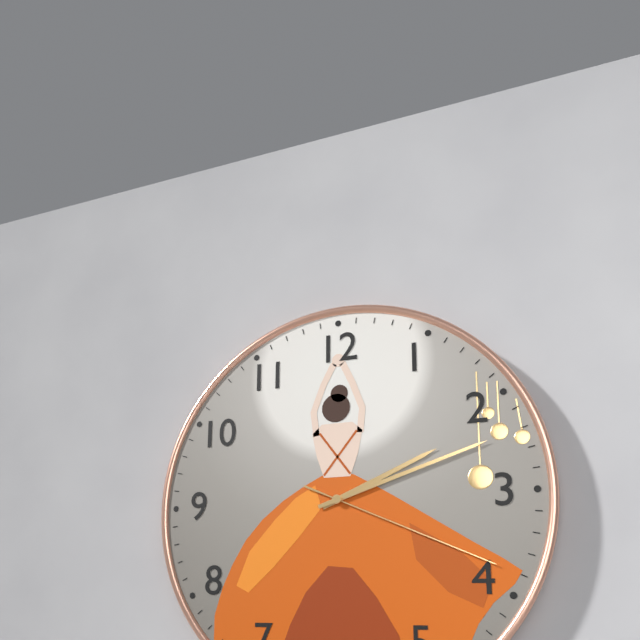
2:12:19
